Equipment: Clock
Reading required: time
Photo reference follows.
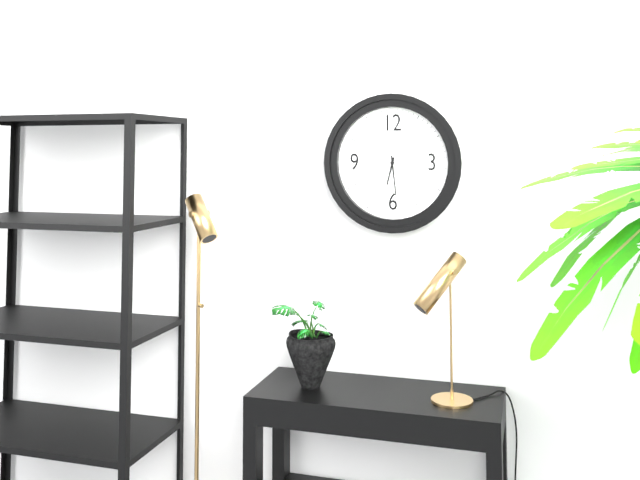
6:29
